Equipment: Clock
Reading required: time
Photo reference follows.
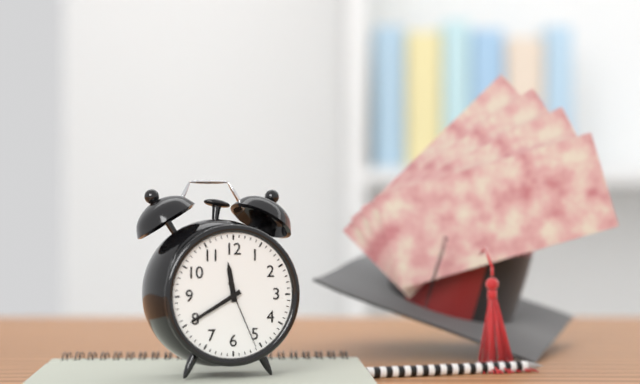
11:40:26
